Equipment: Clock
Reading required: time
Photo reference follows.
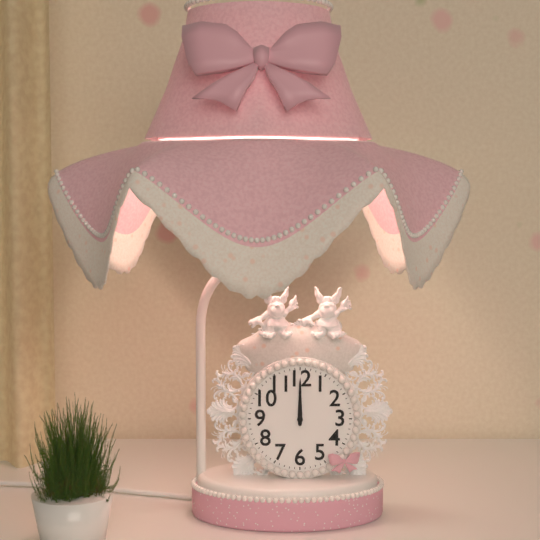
12:00
